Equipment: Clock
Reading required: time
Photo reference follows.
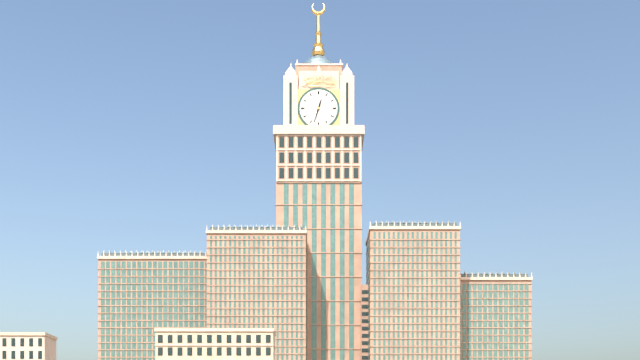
12:33
